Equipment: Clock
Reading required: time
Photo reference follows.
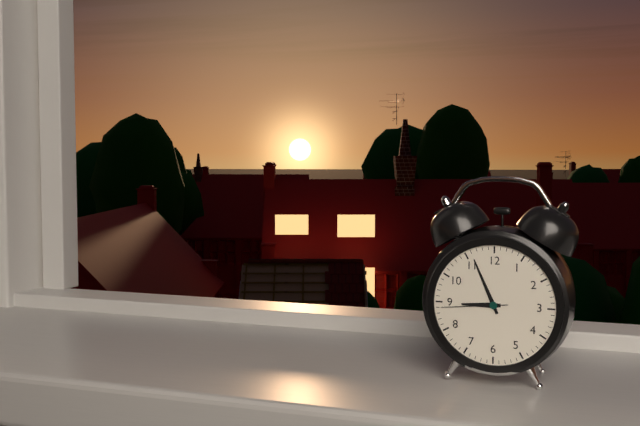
8:56:44
